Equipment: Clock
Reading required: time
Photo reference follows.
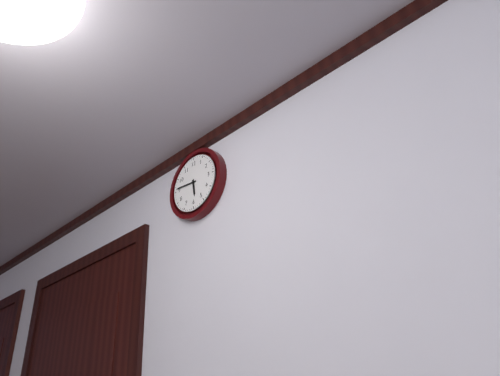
5:46
